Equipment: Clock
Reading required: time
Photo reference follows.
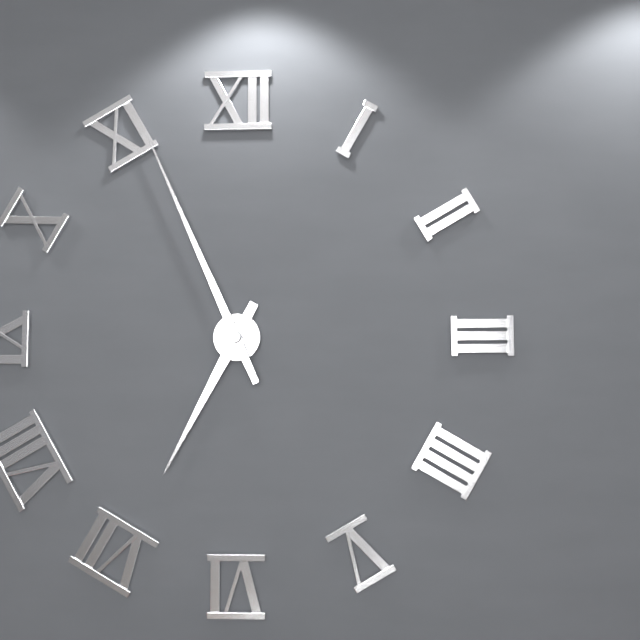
6:56
